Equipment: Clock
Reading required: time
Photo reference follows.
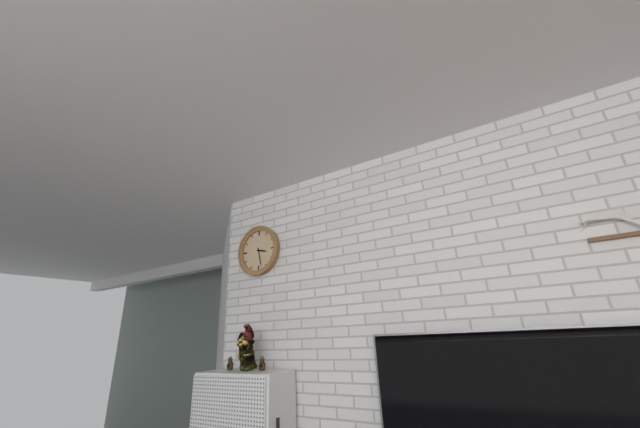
3:28
